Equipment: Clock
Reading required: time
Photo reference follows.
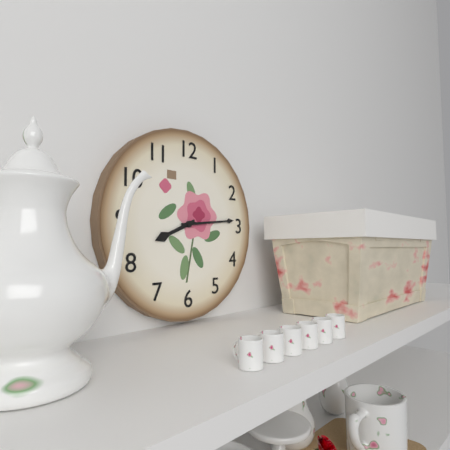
8:14
